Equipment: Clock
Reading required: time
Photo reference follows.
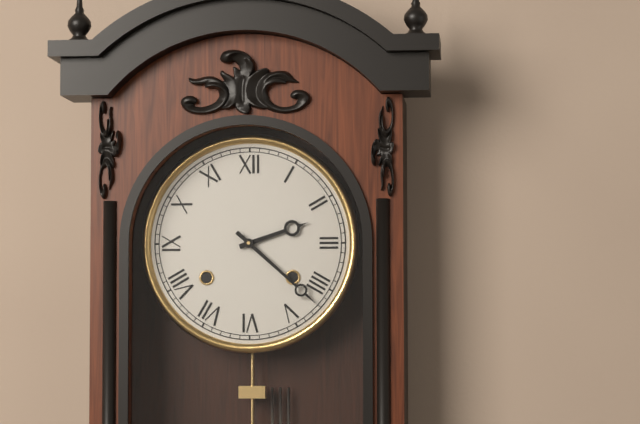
2:22
